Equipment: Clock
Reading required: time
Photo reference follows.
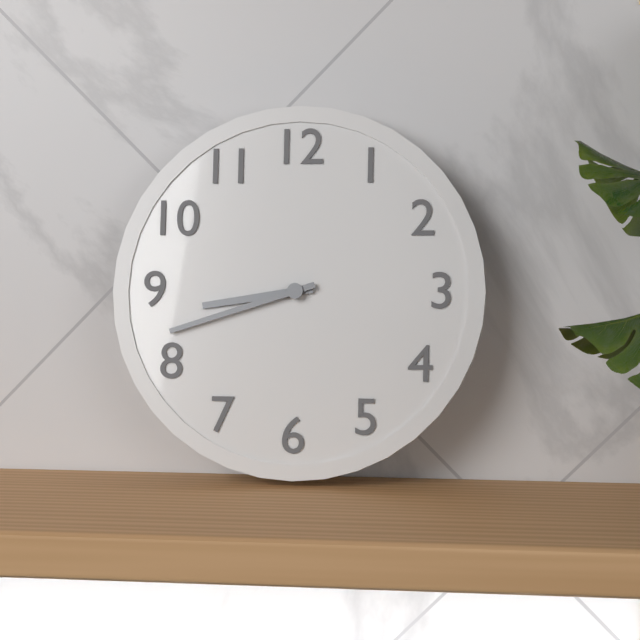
8:42
